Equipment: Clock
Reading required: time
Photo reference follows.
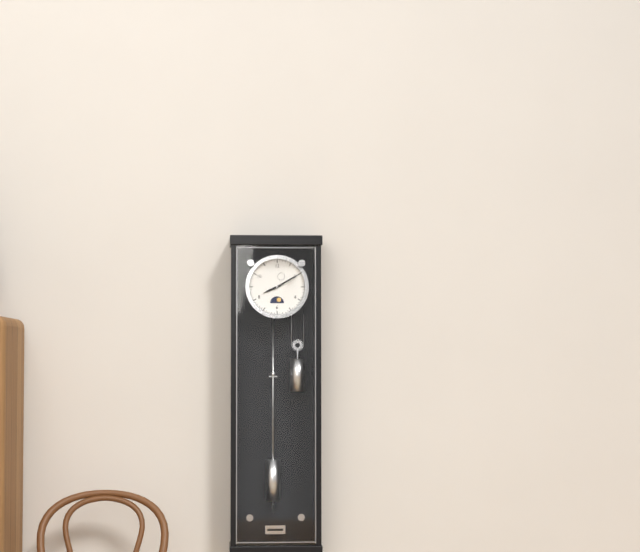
8:10
